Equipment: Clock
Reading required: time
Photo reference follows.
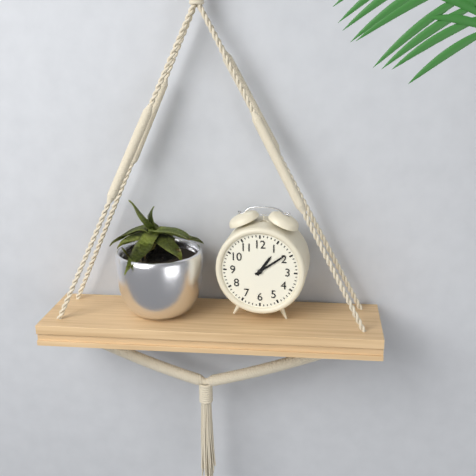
1:09
